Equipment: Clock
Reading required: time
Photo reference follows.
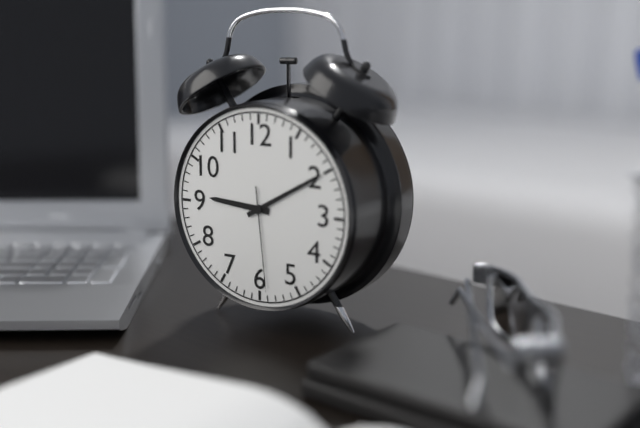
9:10:29
